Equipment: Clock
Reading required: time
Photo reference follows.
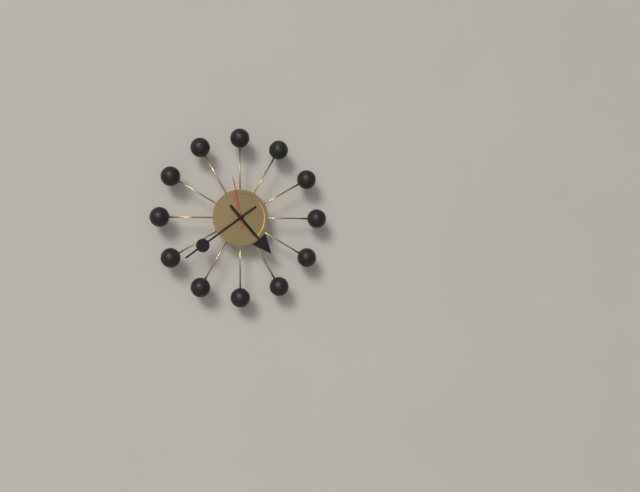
4:39:58
